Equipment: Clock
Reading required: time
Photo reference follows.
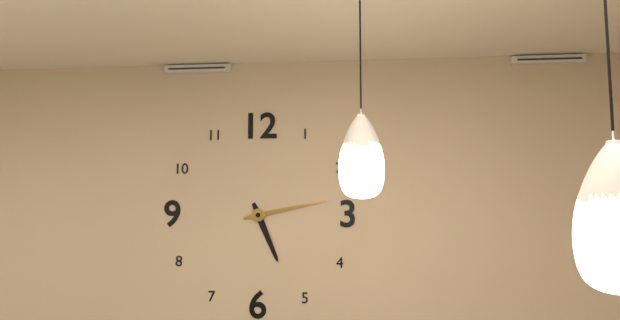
5:13
